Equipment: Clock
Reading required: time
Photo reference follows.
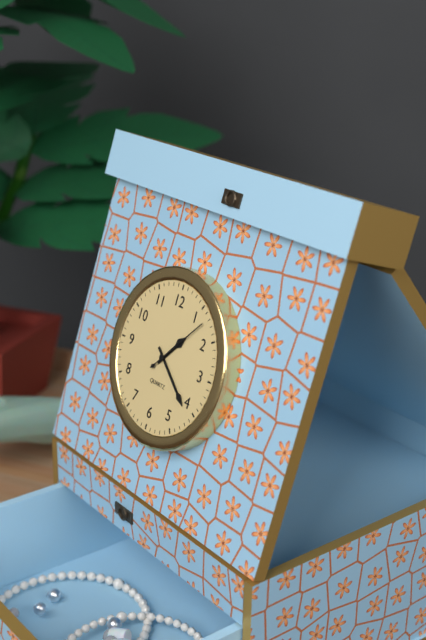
1:21:07
